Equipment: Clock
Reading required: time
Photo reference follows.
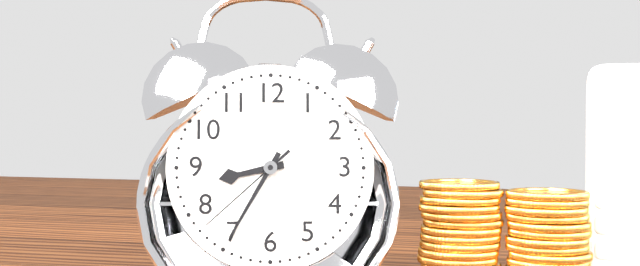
8:35:38
